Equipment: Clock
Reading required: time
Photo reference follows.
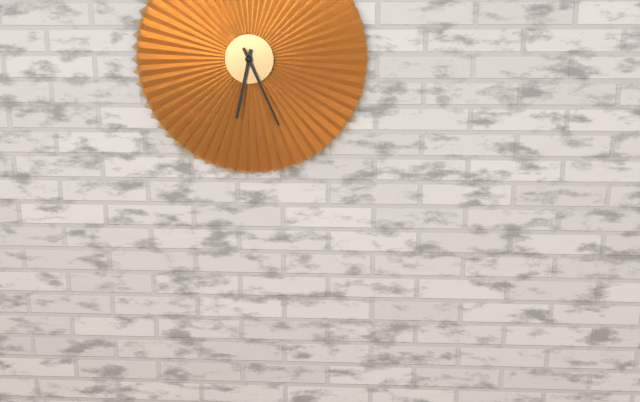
6:26
